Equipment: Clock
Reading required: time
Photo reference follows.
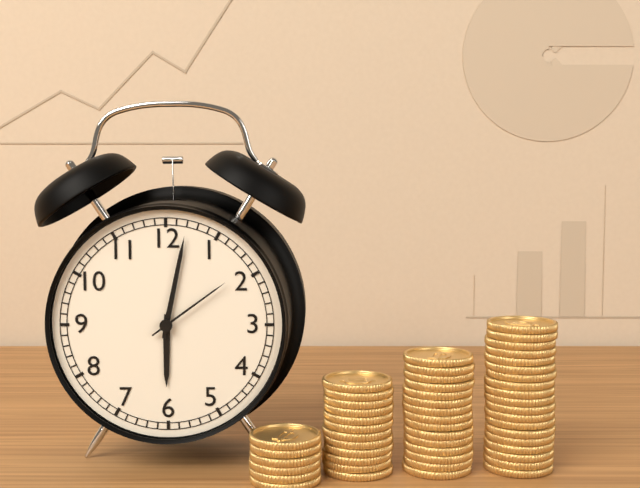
6:02:09
